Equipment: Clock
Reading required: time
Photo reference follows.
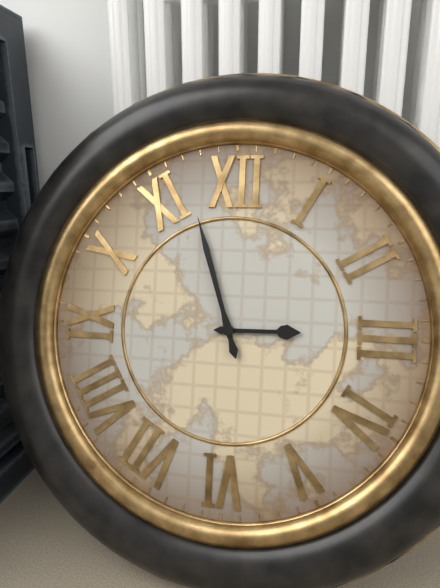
2:57
